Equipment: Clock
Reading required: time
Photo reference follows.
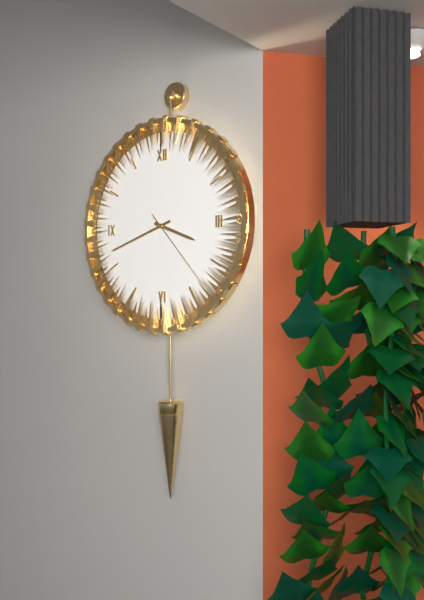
3:42:23
